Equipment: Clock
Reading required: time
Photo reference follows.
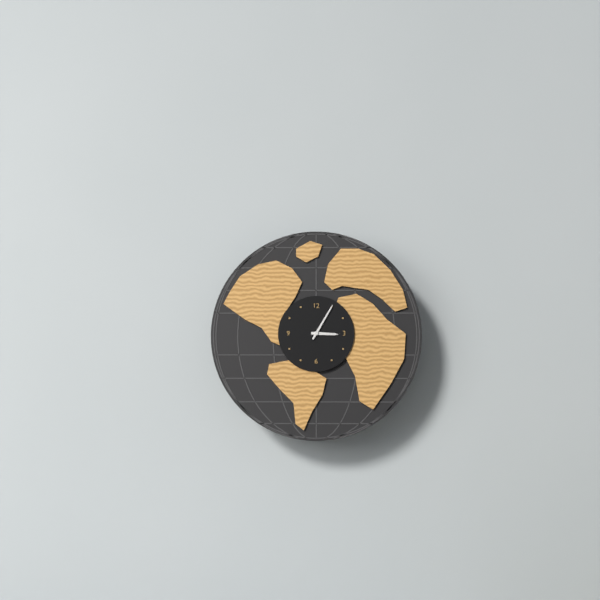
3:05
